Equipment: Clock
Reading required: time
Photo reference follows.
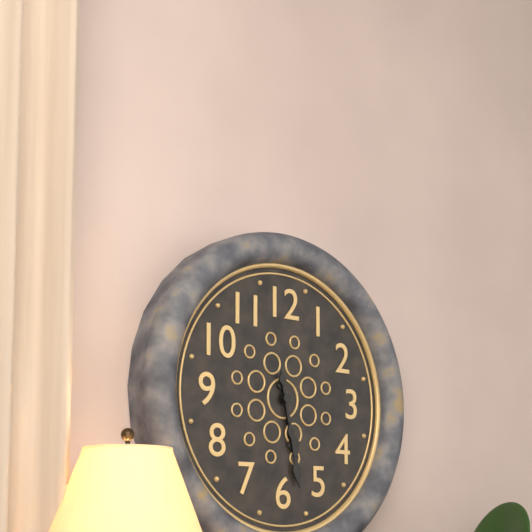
5:28
